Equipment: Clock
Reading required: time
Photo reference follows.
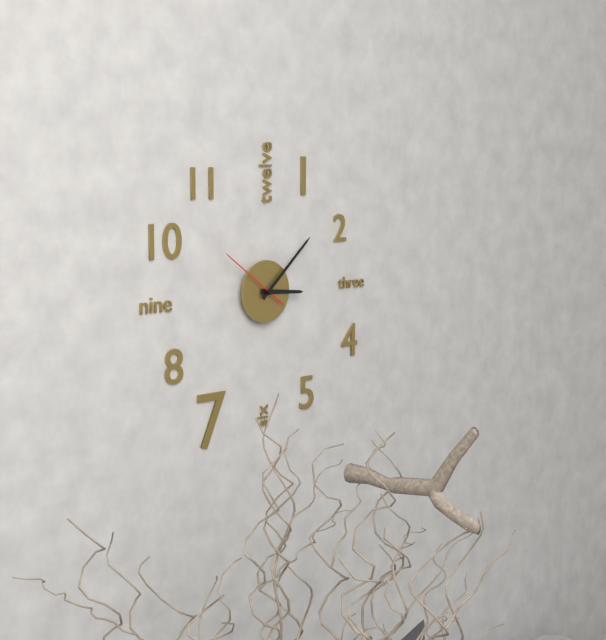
3:08:51
